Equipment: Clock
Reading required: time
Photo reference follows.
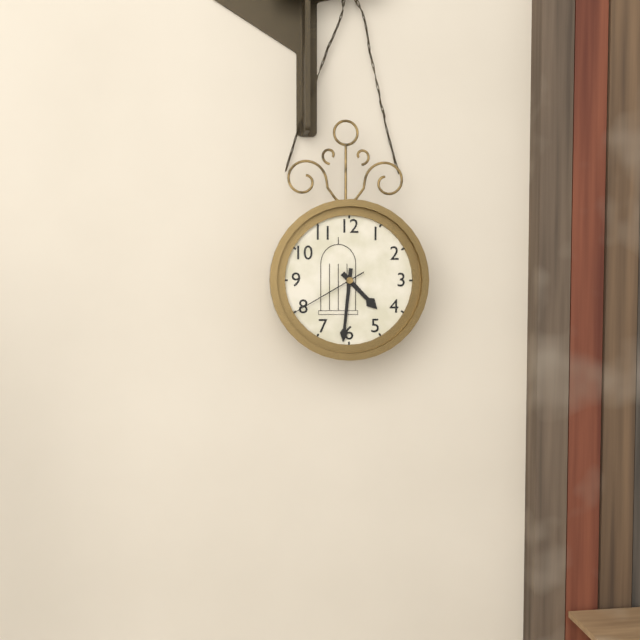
4:31:40
